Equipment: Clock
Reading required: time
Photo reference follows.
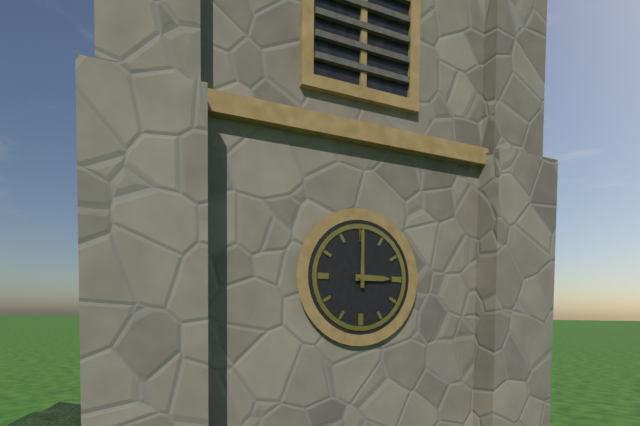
3:00
